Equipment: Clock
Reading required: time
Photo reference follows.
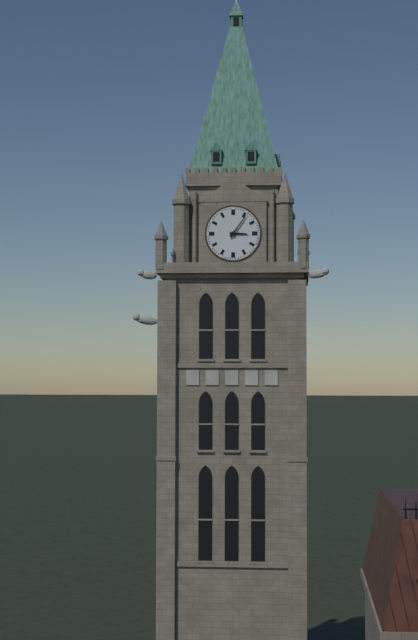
3:06
